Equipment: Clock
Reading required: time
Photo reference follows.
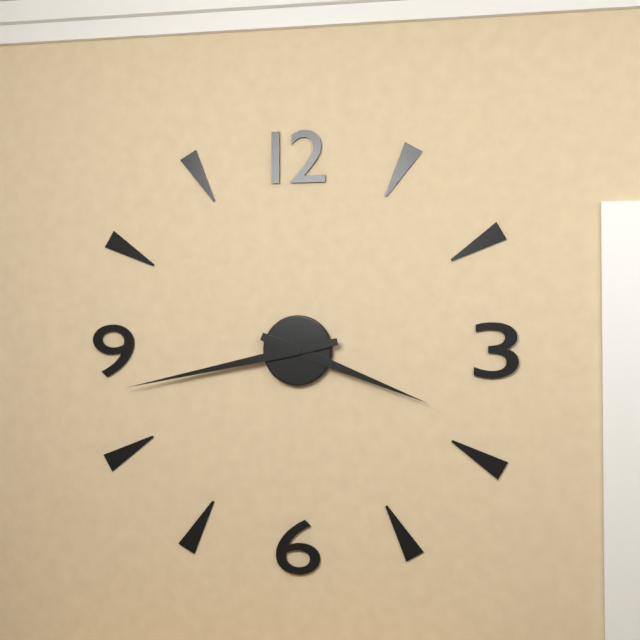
3:43
